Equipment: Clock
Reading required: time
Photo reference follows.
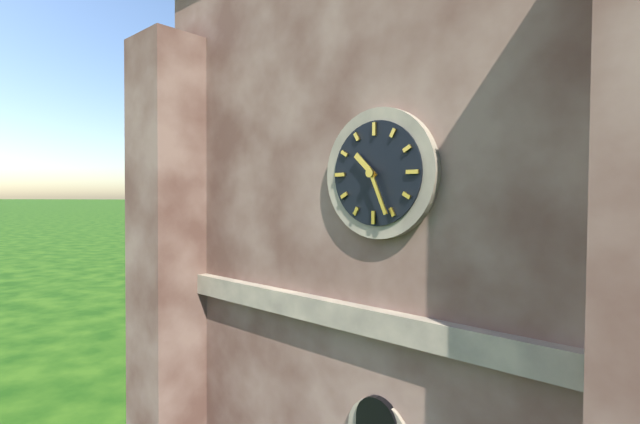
10:26
